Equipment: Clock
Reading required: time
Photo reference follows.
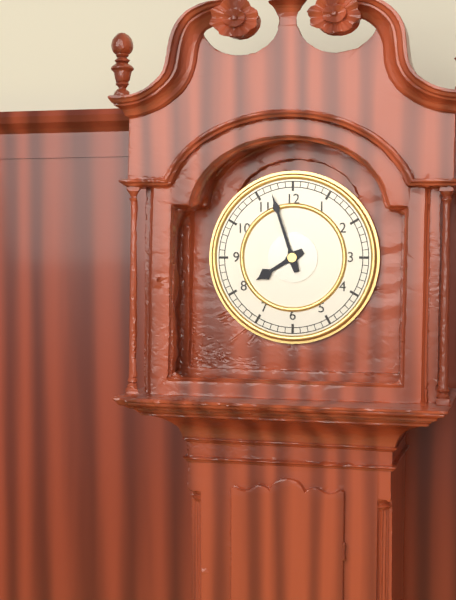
7:57
